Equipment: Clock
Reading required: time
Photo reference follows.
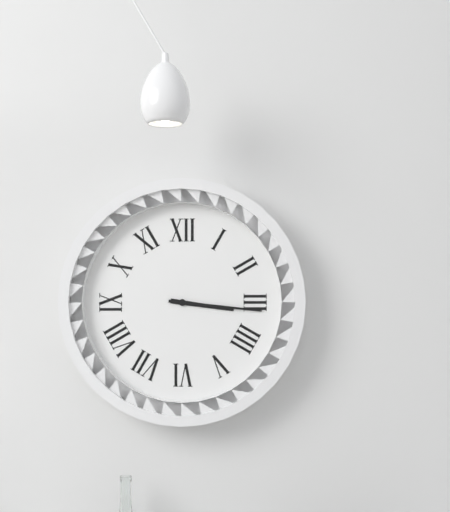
3:16
